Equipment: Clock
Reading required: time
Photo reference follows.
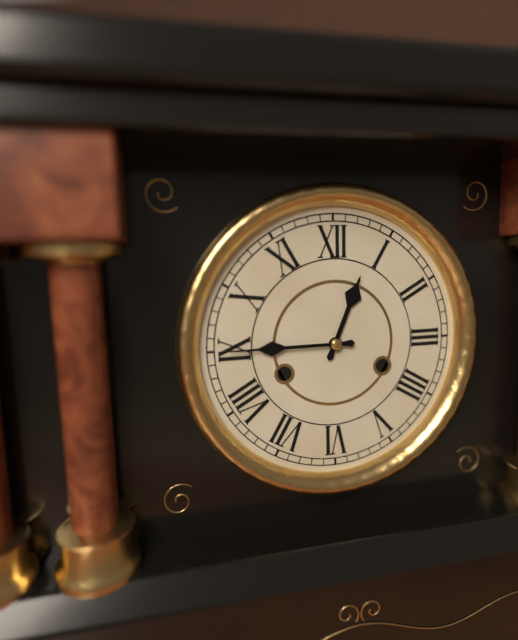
12:45
